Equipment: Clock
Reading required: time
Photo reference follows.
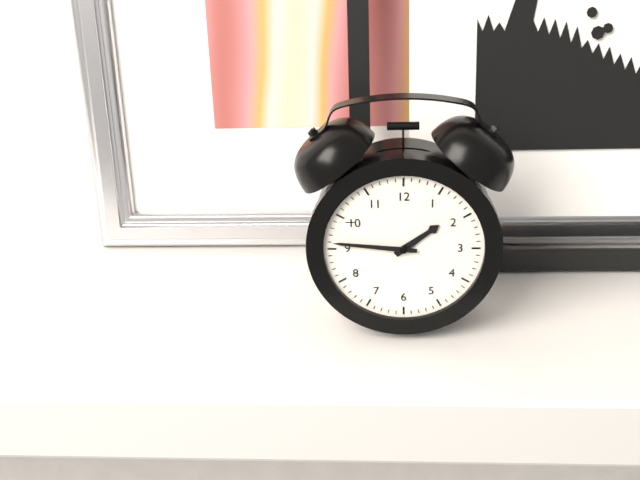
1:46
